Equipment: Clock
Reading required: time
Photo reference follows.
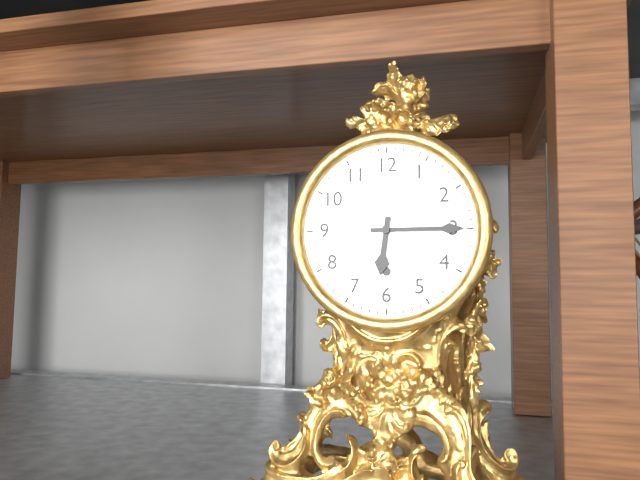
6:15
